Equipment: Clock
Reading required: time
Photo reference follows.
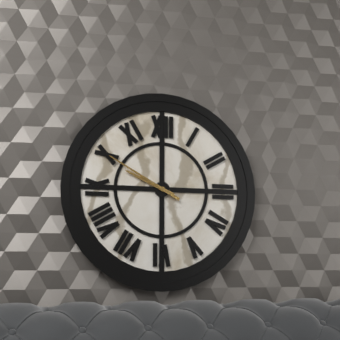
9:50
